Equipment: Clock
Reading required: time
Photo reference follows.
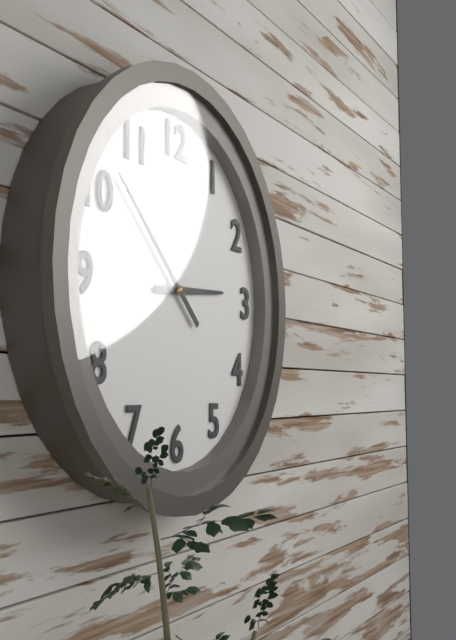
2:52
